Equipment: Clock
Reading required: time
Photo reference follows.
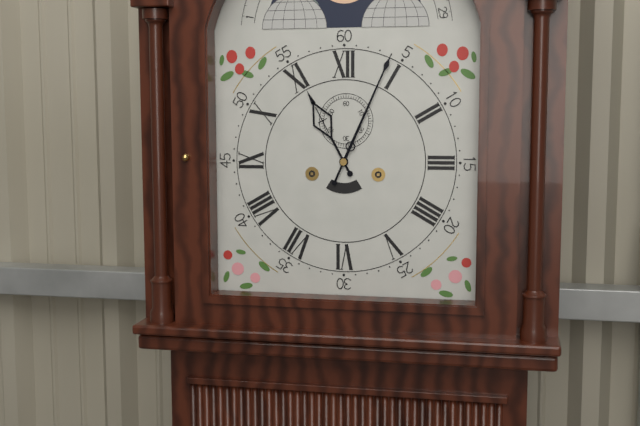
11:04
